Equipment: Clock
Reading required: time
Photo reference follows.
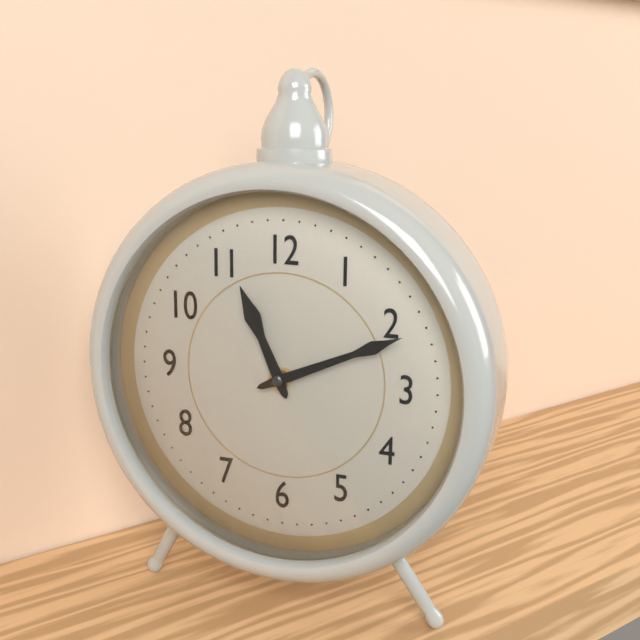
11:11
